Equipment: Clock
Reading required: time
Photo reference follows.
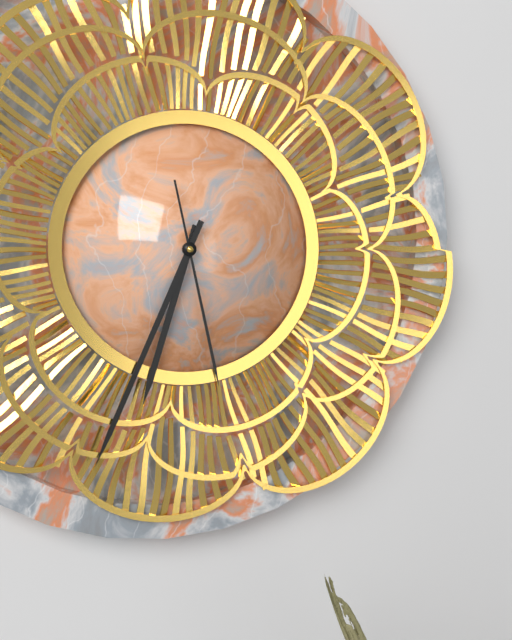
6:34:28
